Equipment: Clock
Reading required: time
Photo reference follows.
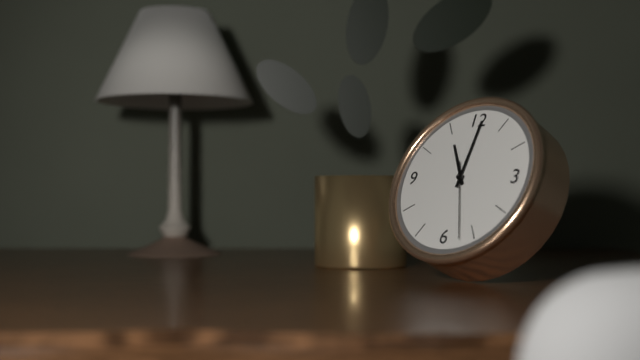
11:01:27
